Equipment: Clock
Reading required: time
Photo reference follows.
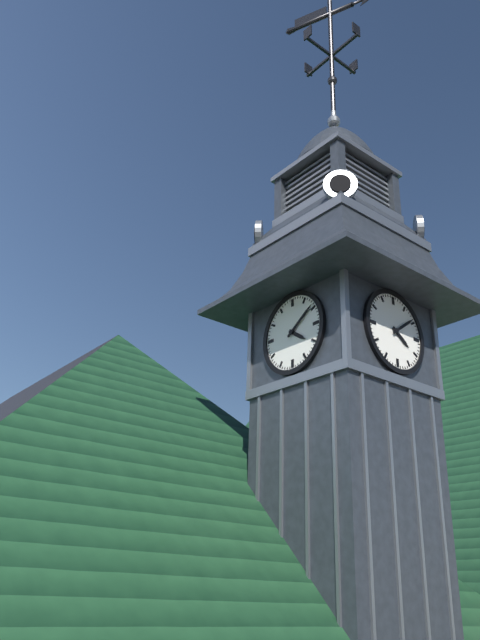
4:09
